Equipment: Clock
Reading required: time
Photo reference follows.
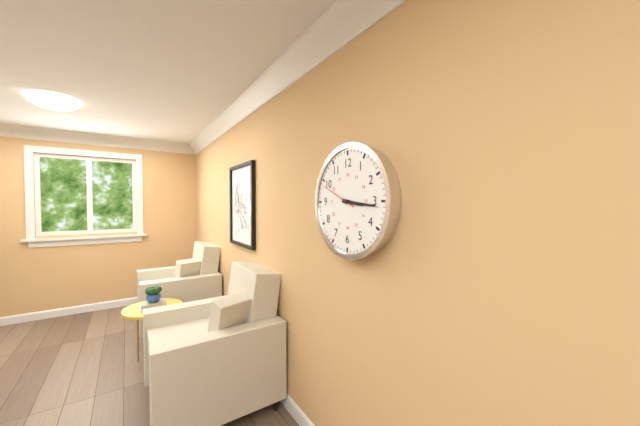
3:16
